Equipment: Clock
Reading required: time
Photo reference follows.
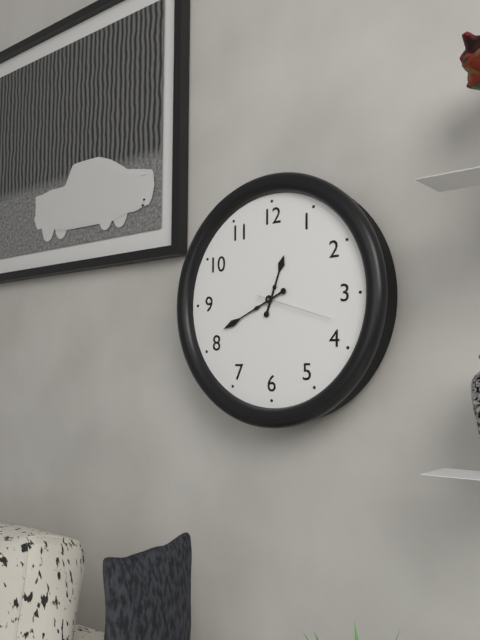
12:41:18
